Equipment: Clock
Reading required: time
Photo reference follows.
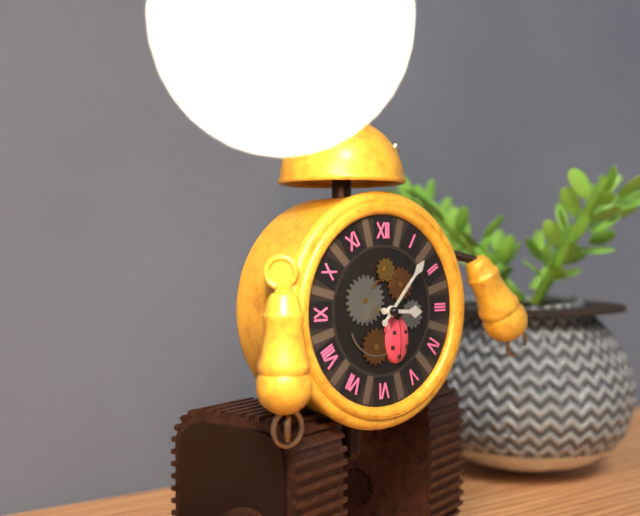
3:07
